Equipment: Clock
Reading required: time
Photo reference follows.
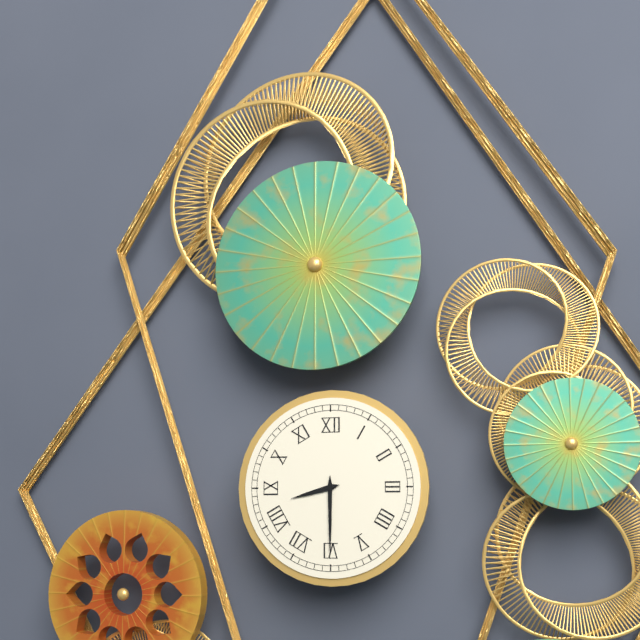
8:30
